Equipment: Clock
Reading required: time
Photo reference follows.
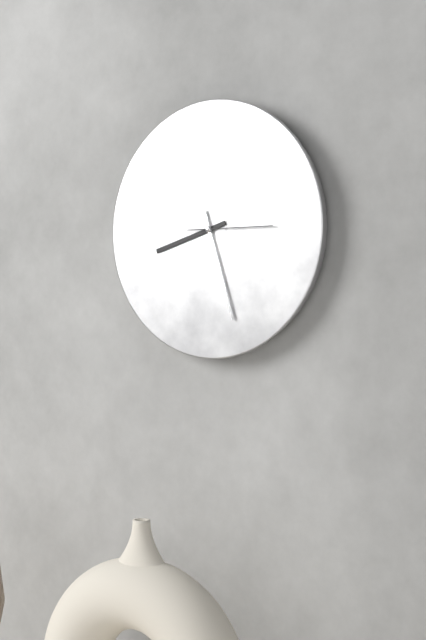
8:27:15
